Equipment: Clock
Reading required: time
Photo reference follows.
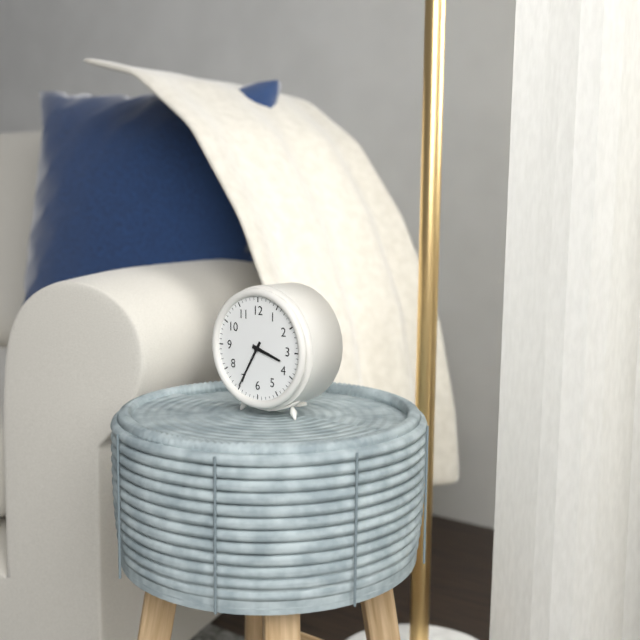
3:35
